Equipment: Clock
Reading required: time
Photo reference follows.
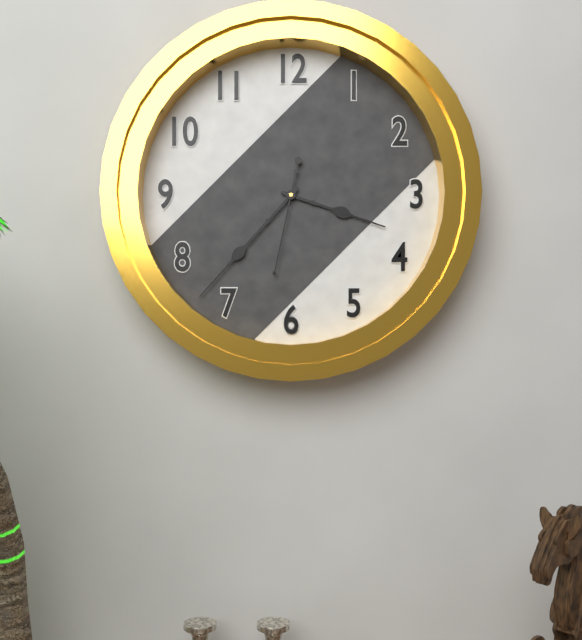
3:37:32
